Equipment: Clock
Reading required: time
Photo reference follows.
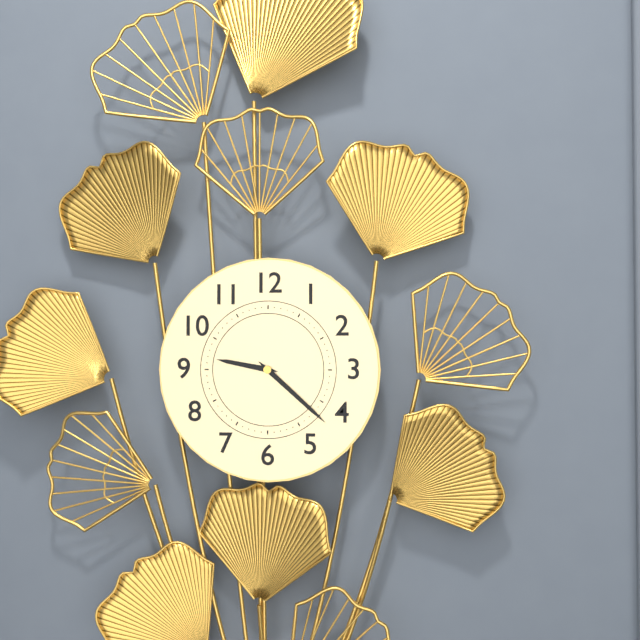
9:22
